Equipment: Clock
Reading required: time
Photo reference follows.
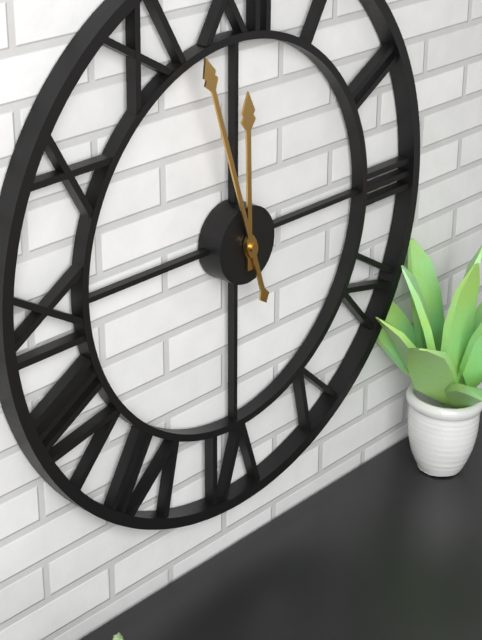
11:57
